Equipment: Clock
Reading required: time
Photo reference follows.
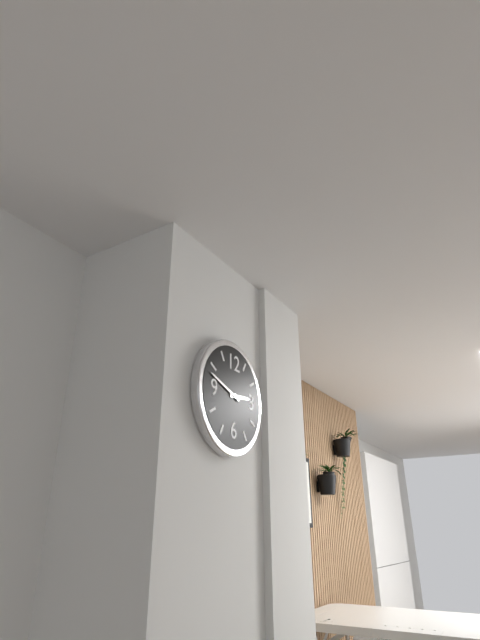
2:48
